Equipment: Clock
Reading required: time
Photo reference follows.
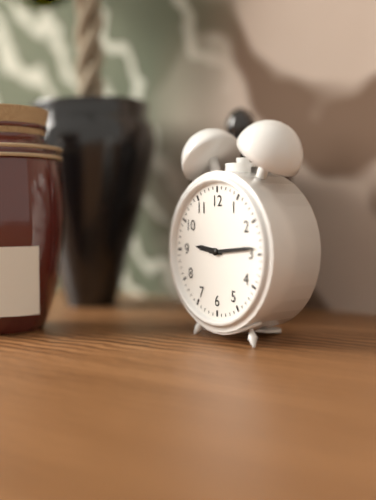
9:14
